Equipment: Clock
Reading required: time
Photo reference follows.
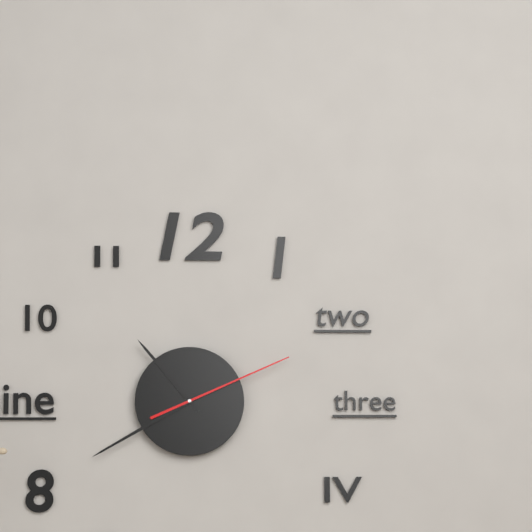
10:40:11
